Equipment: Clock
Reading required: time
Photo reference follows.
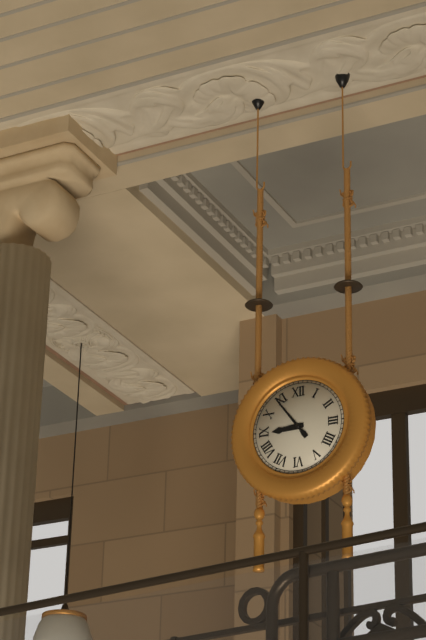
8:54
